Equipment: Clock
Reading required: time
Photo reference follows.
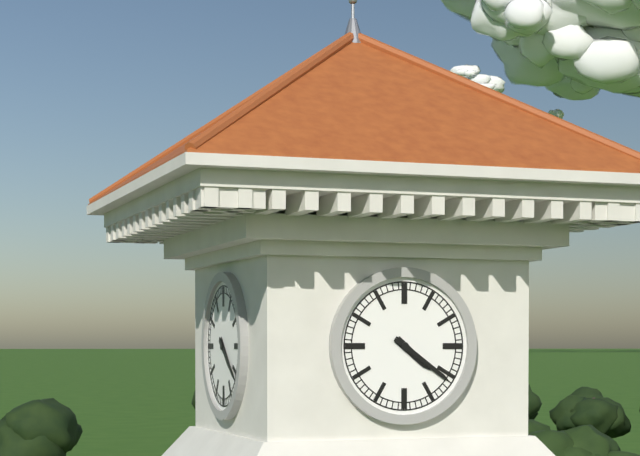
4:21
